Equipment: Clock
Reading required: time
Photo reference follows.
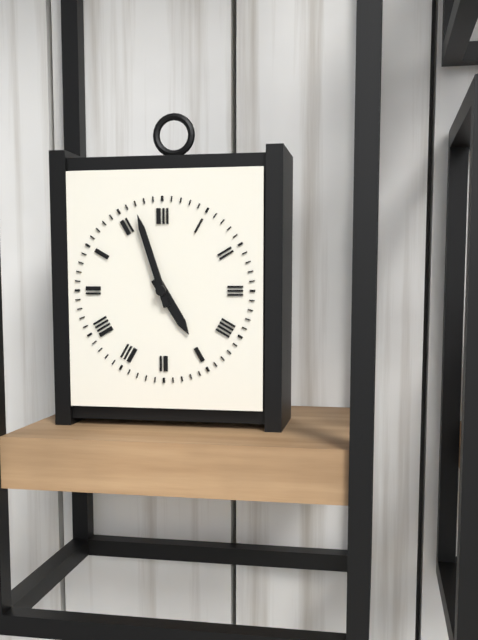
4:57
